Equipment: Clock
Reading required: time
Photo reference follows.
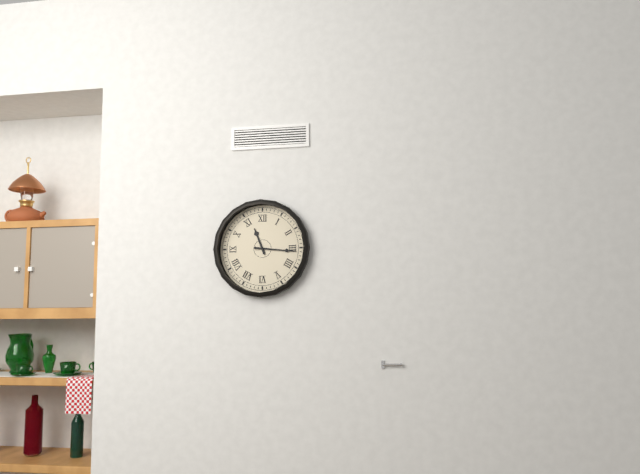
11:16
